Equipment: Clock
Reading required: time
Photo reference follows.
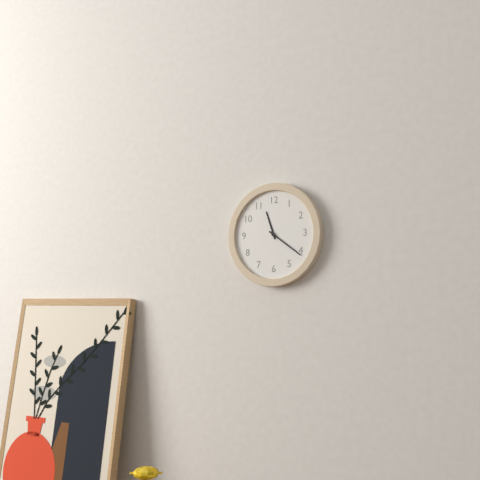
11:21
